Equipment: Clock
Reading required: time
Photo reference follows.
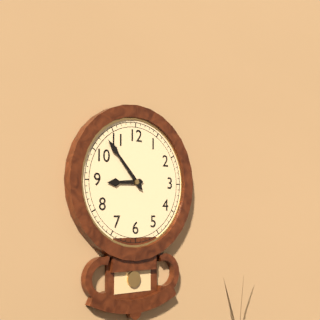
8:53
